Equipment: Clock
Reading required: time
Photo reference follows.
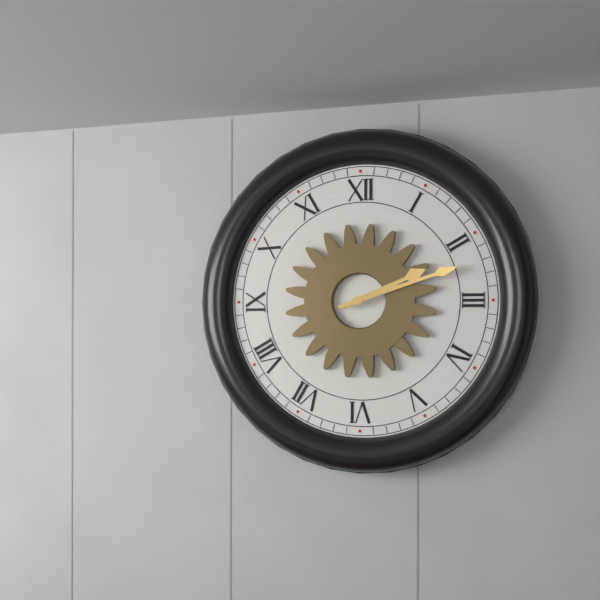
2:12
